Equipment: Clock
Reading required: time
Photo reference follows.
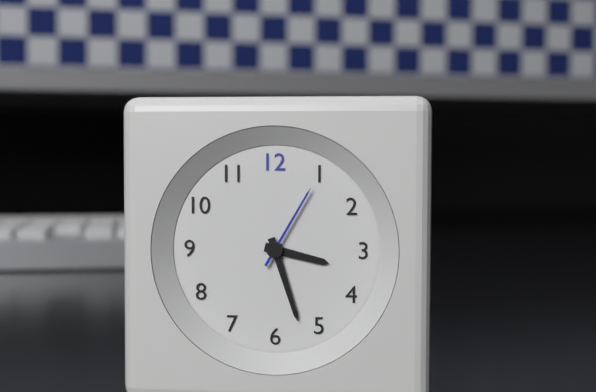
3:27:05
